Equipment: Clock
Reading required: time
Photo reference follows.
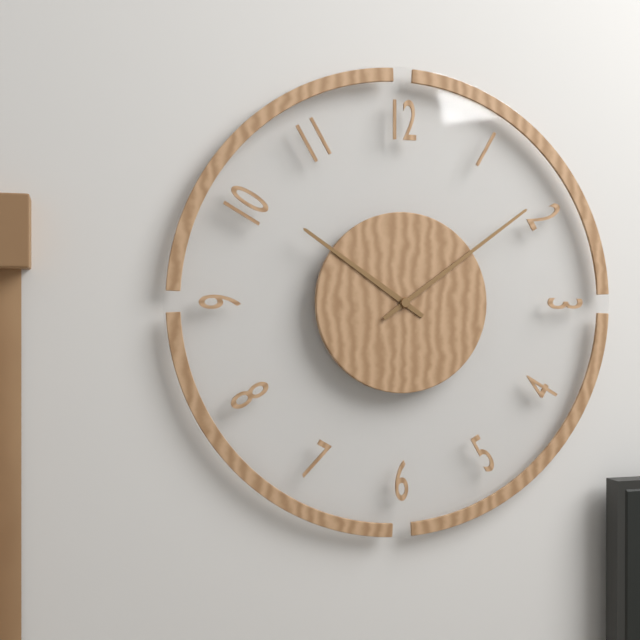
10:09
